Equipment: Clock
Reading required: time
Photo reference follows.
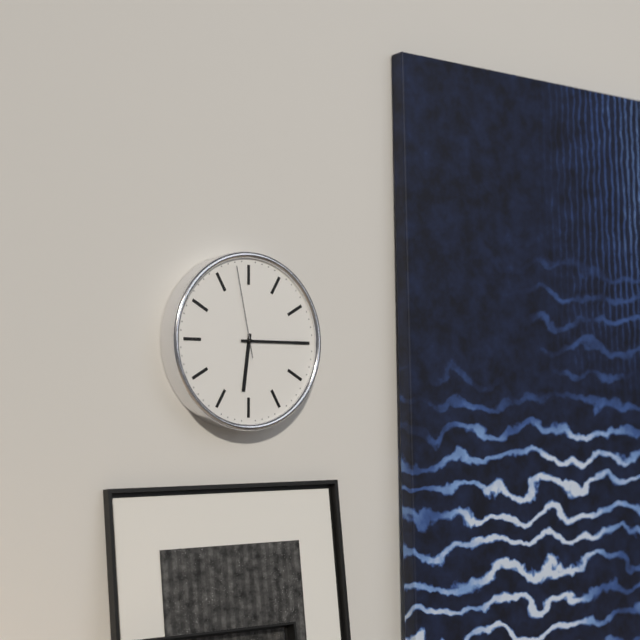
6:15:58
